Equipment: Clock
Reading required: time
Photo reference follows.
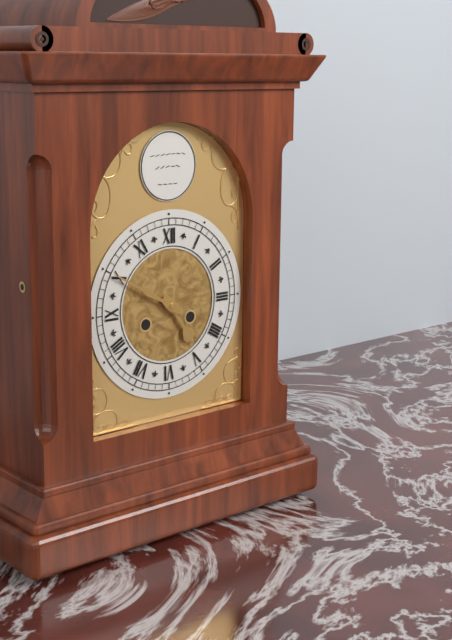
4:50
